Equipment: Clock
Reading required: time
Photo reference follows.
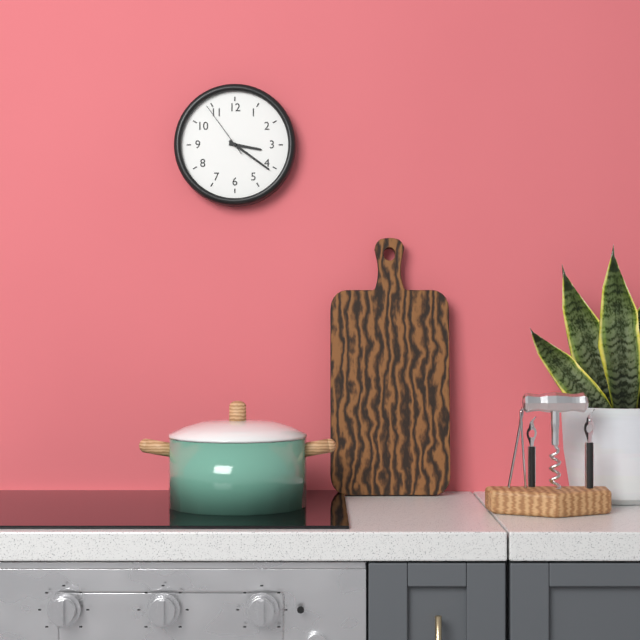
3:21:54
